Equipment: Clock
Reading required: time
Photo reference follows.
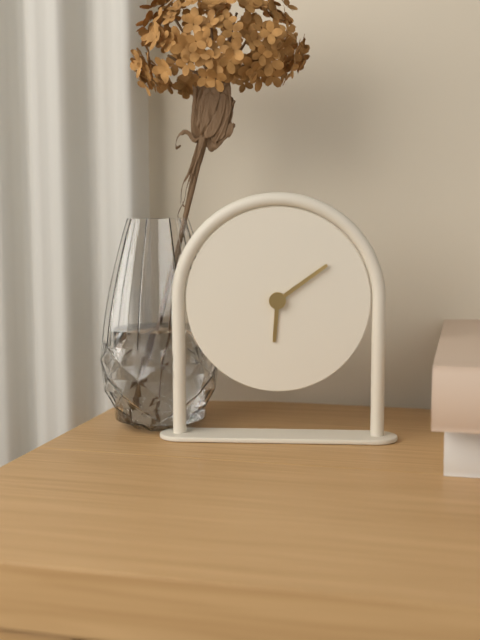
6:09
